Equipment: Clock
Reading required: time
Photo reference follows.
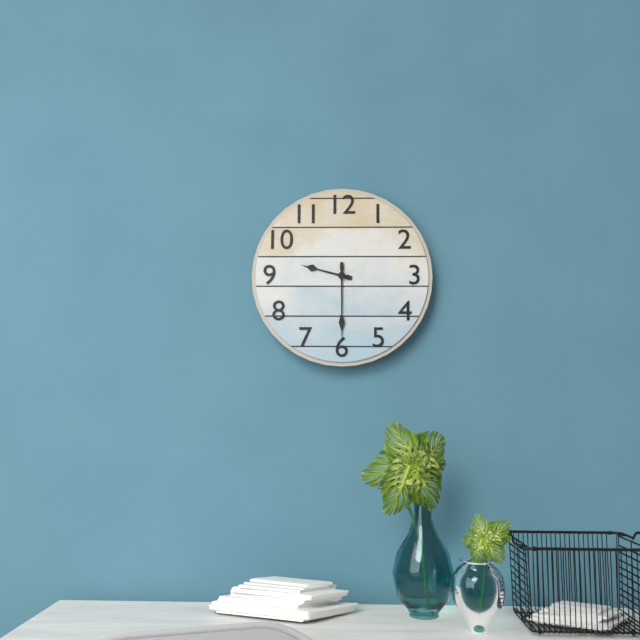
9:30
